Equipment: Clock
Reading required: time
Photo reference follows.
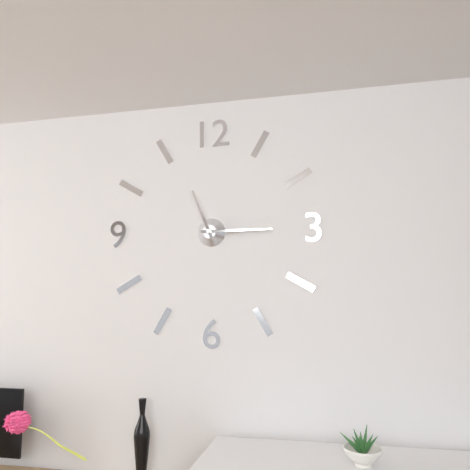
11:15
